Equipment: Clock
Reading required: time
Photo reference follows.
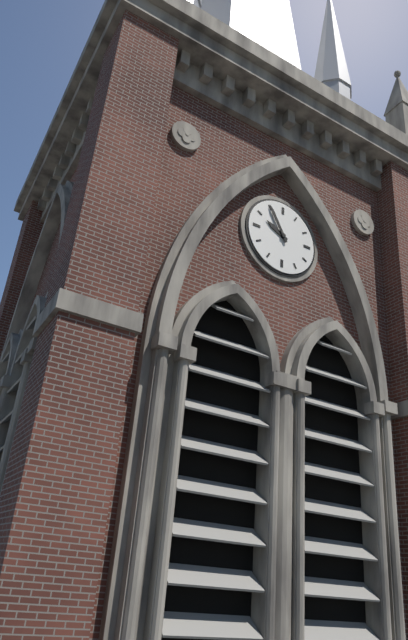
9:55
